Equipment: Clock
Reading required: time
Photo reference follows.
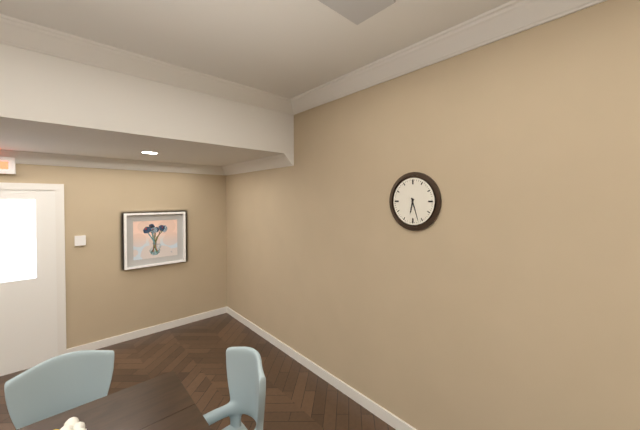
6:27
